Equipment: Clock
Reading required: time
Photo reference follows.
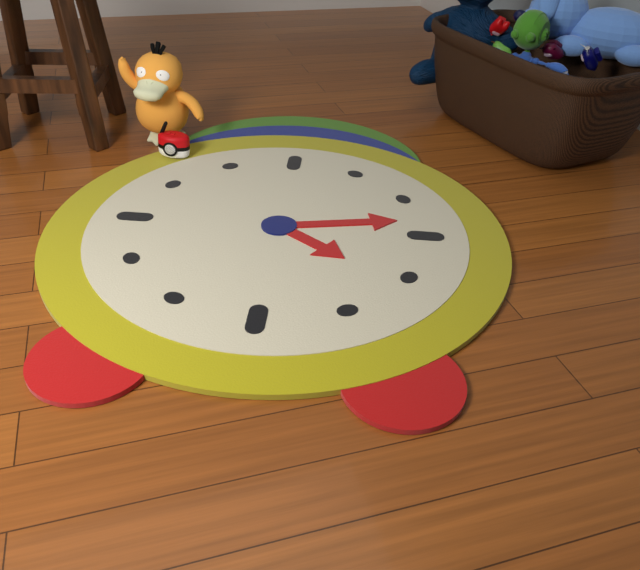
4:13
